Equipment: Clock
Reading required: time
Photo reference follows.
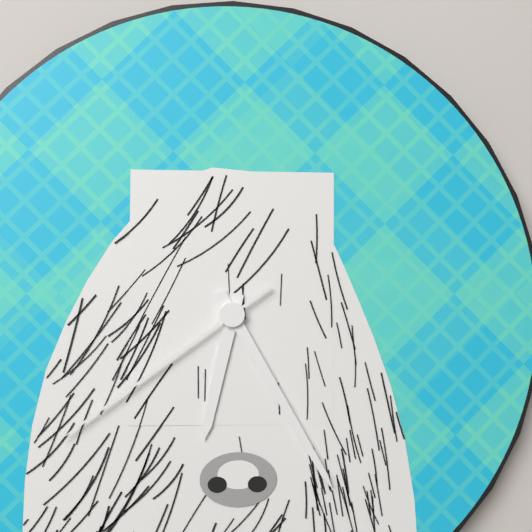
6:25:39
